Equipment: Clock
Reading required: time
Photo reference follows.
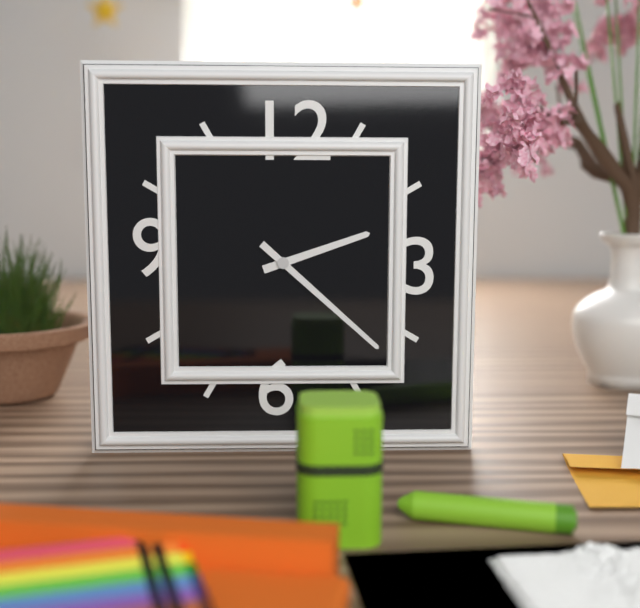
2:22
